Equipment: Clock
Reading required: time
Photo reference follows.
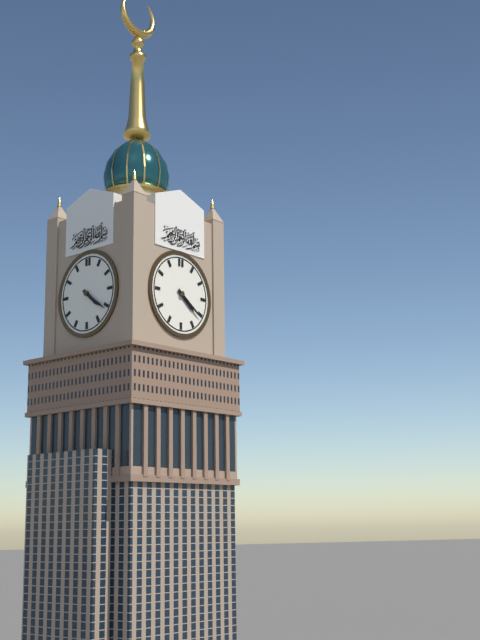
4:21
